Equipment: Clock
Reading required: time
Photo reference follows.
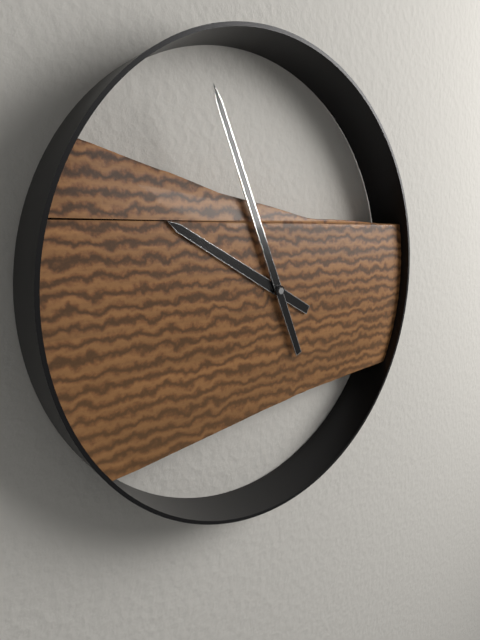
9:56
